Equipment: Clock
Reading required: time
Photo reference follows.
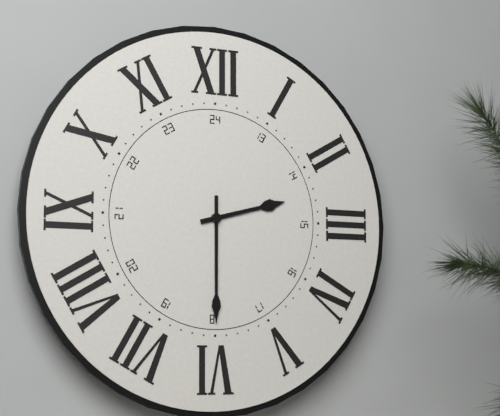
2:30
